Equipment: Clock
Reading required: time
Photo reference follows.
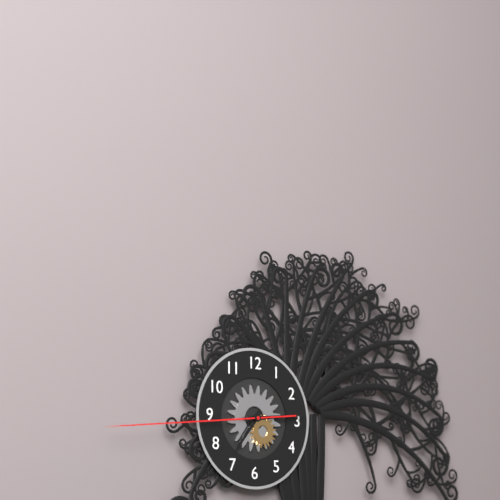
7:14:44
